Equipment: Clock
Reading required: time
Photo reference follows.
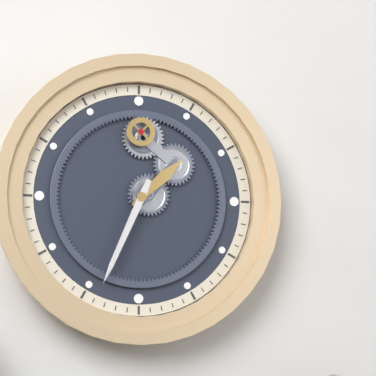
1:34
